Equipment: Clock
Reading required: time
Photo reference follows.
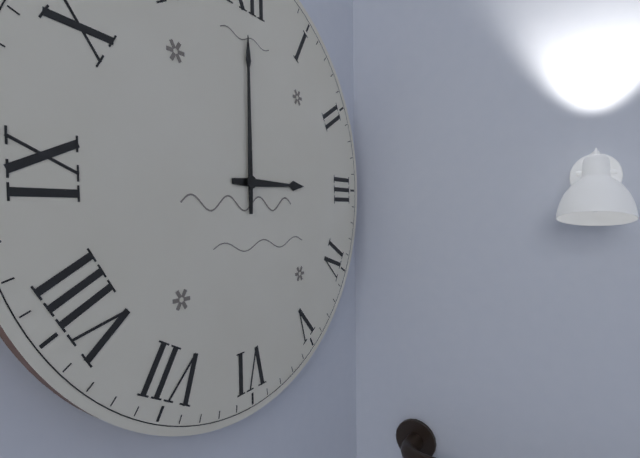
3:00
